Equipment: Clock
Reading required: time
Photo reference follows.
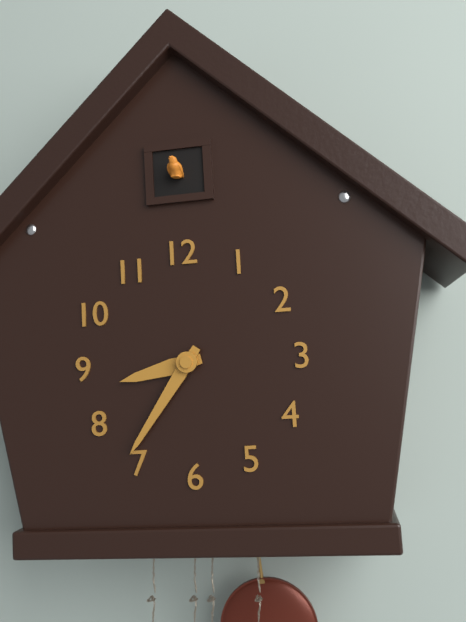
8:36
